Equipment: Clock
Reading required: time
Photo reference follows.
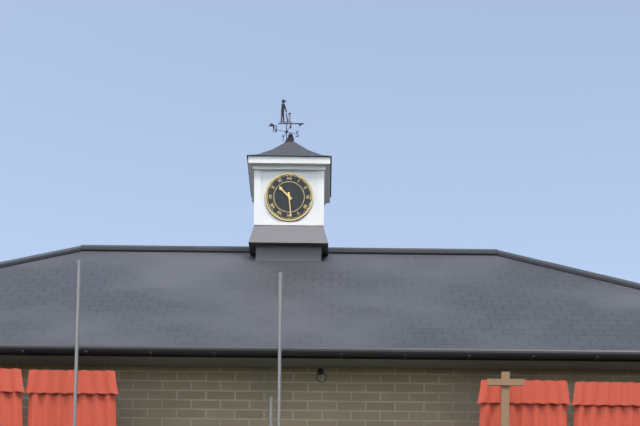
10:29
